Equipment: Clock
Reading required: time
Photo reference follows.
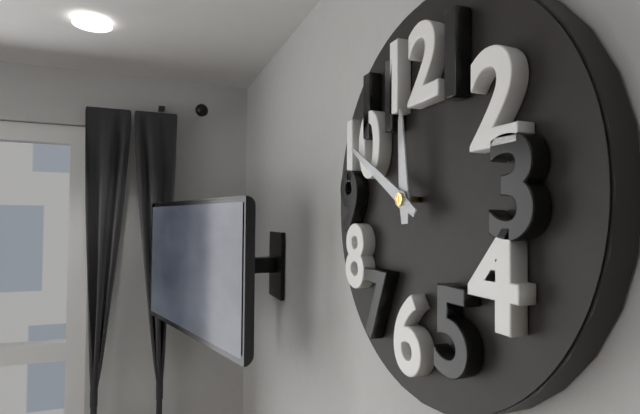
11:50
